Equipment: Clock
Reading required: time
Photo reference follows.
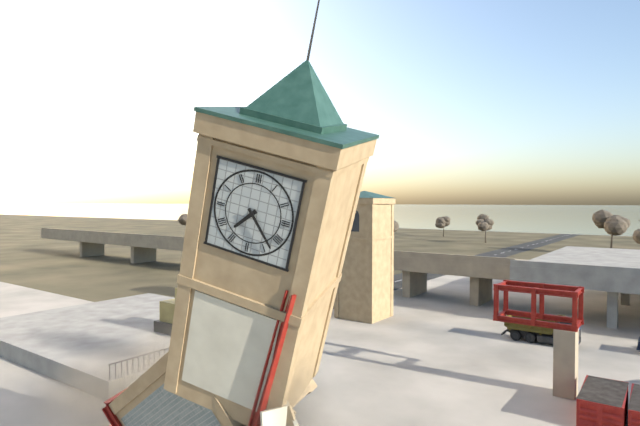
7:23
